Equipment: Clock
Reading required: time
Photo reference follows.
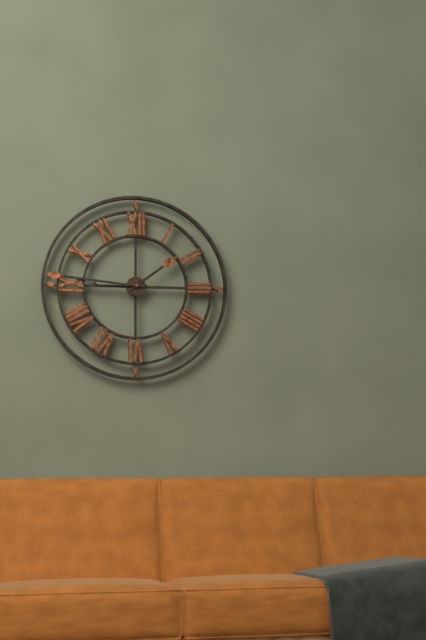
1:46:45
